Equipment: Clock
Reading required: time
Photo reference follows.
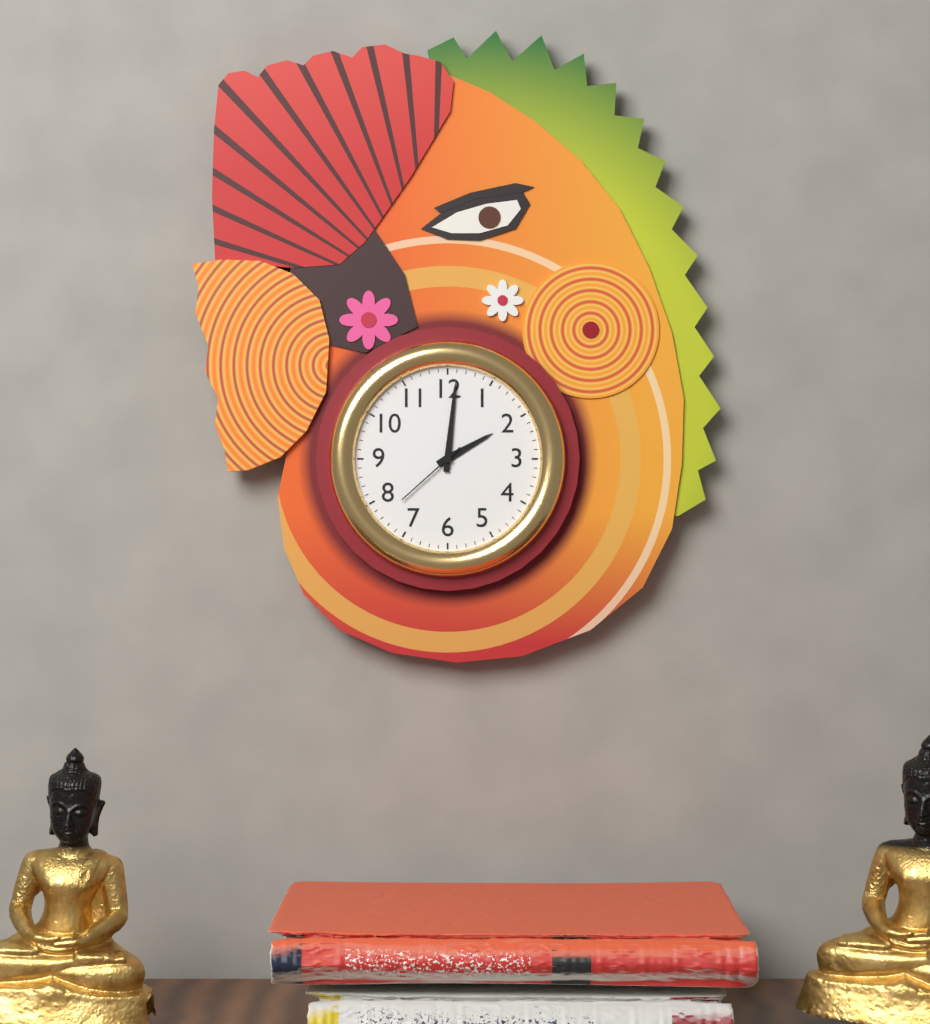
2:01:38
